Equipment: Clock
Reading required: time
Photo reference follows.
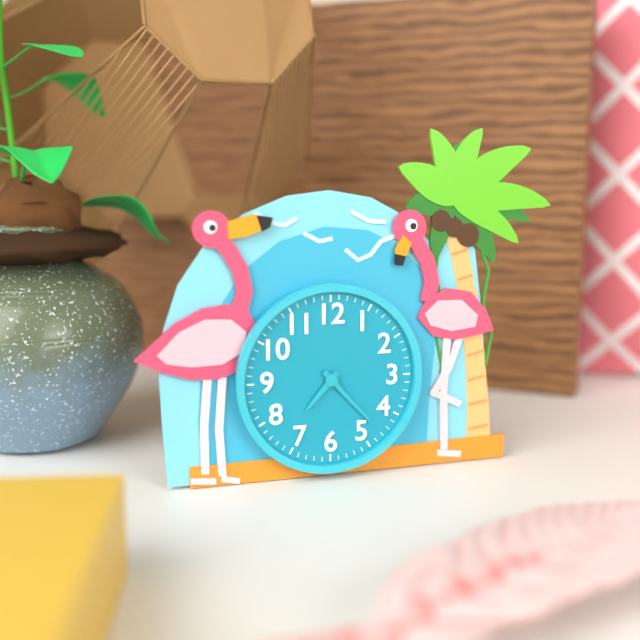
7:23
